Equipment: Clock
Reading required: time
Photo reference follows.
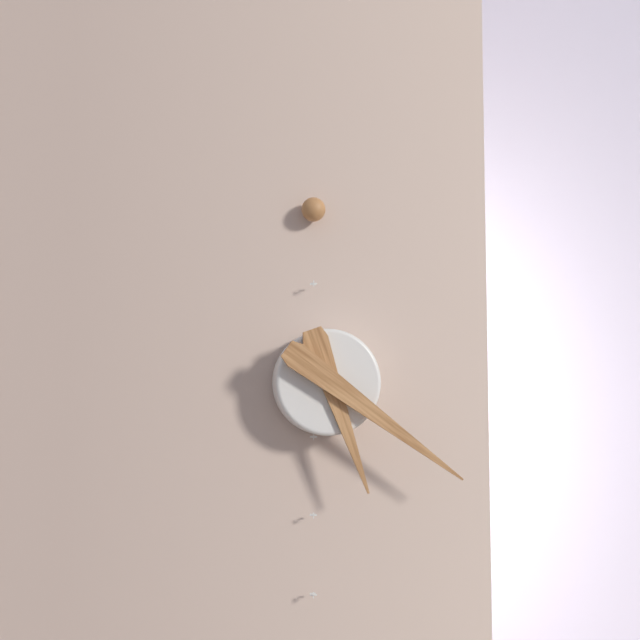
5:21
